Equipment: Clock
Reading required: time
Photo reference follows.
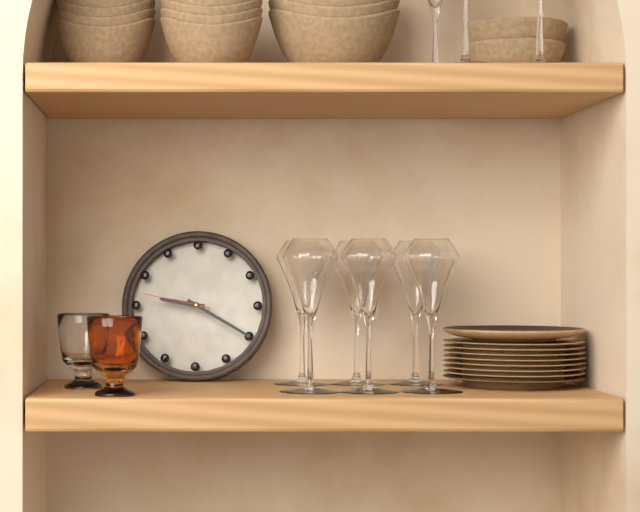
9:20:47
